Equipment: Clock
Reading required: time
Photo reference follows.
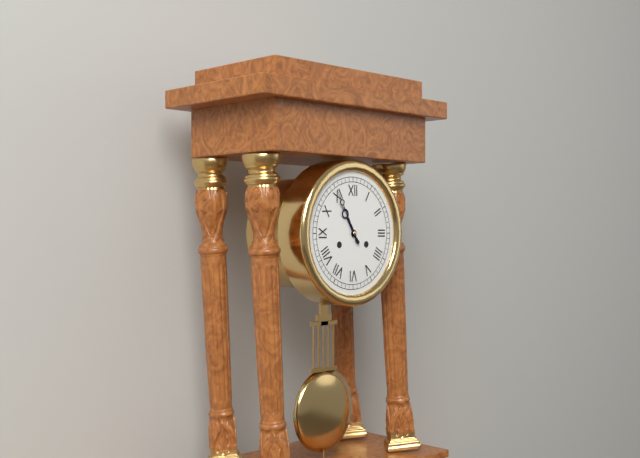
10:55
